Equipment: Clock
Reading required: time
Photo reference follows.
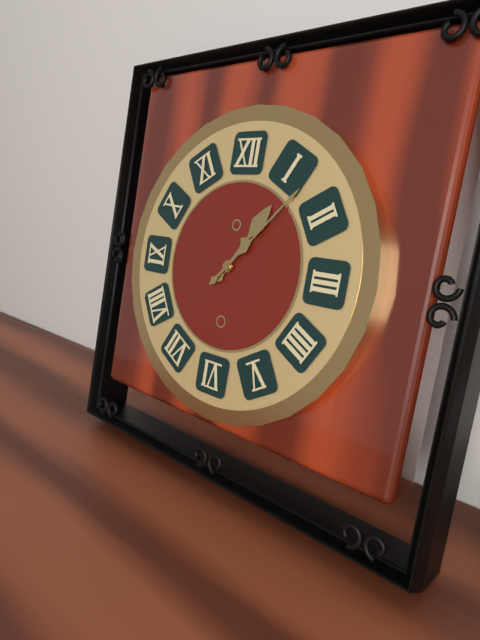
1:07
